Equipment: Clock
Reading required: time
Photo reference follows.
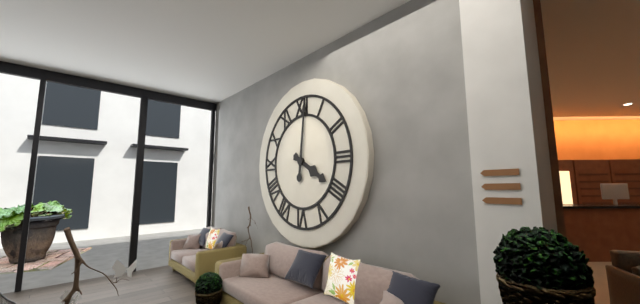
4:01
